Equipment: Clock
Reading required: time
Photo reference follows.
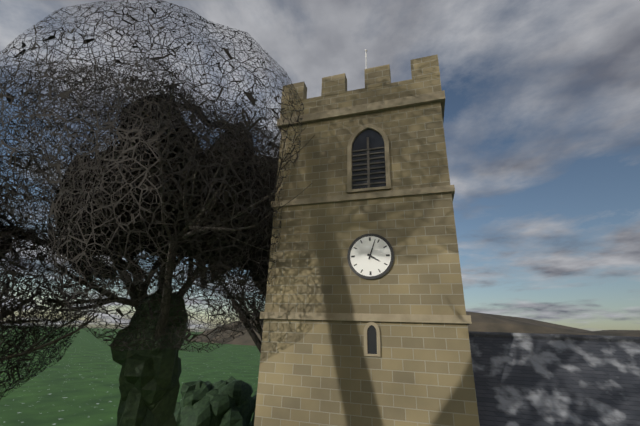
4:03
